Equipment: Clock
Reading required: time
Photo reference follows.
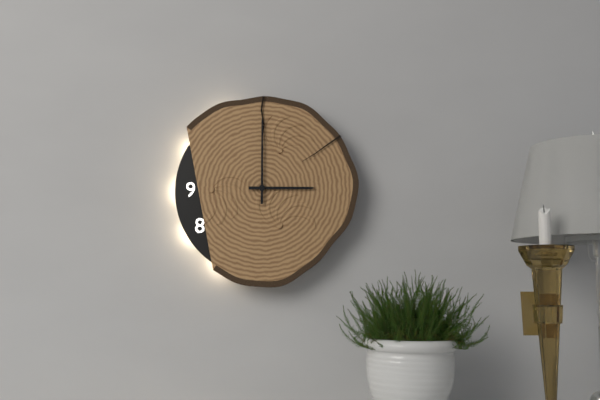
3:00
